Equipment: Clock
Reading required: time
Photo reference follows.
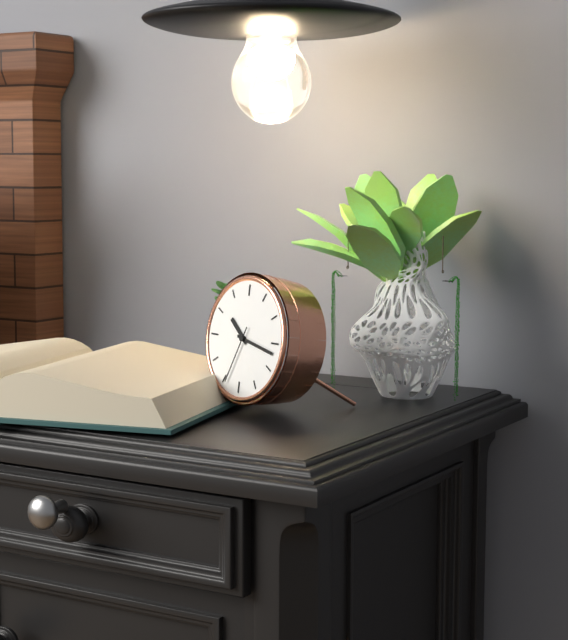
10:17:34
